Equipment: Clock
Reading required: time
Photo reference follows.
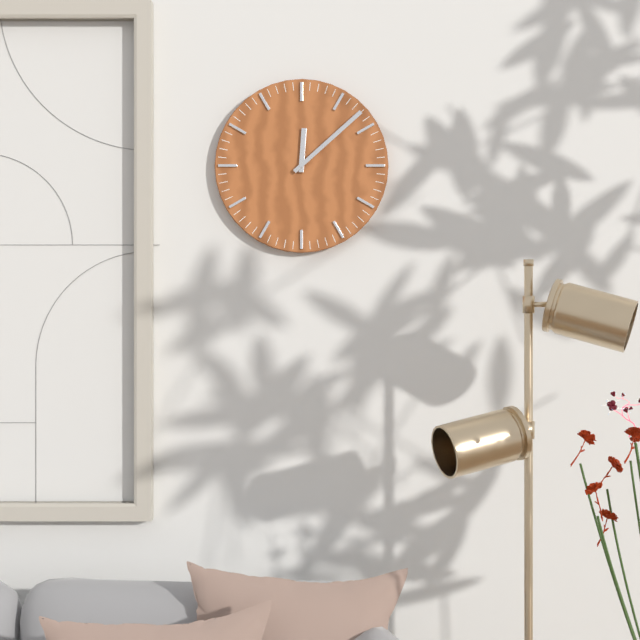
12:08
